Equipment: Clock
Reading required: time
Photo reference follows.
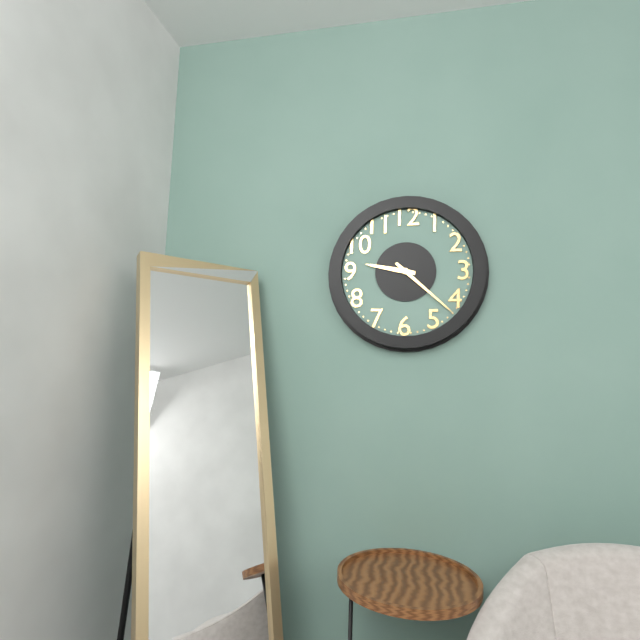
9:22
